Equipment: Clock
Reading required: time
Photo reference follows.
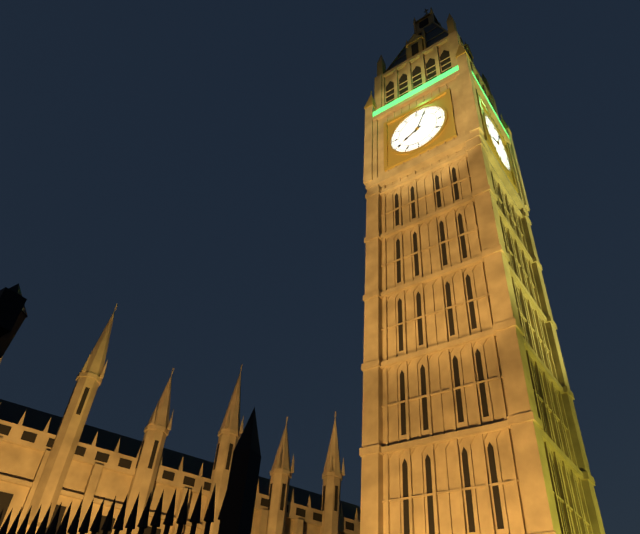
8:04
